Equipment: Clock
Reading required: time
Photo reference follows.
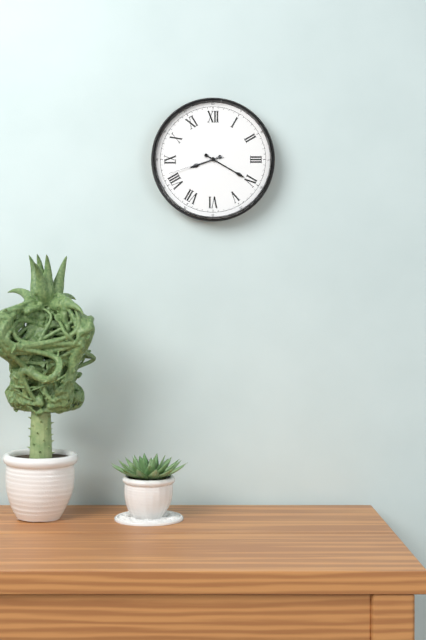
8:20:42
